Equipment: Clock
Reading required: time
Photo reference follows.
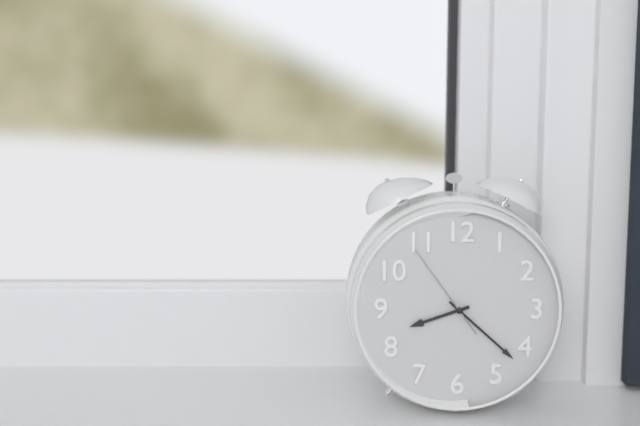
8:22:54
